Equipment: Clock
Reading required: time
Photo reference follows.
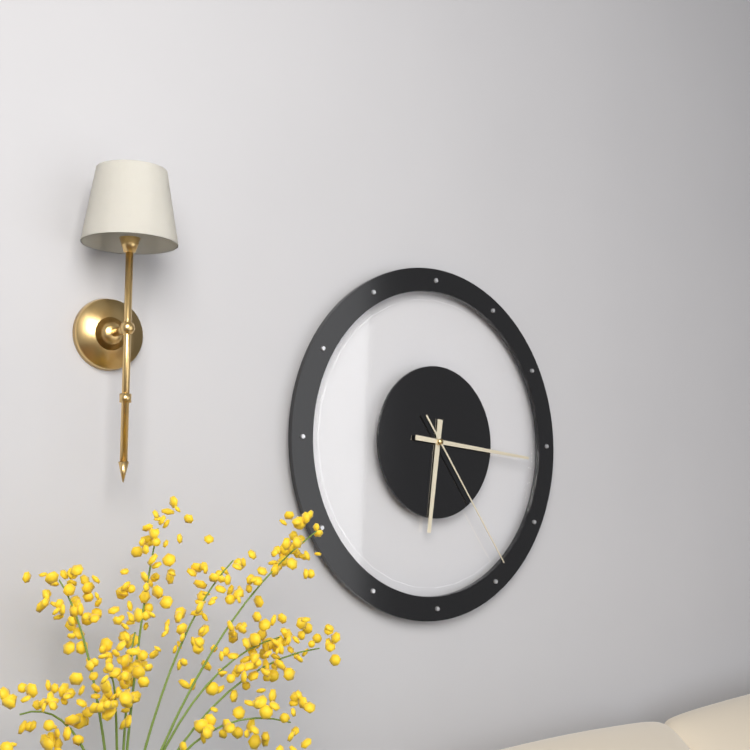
6:16:24
